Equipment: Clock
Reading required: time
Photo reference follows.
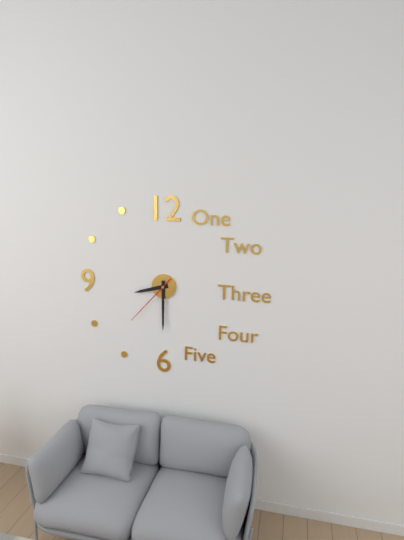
8:30:37
